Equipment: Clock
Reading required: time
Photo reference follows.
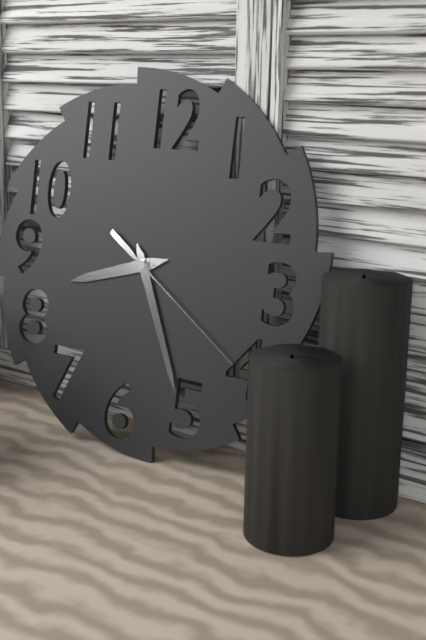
8:26:21
